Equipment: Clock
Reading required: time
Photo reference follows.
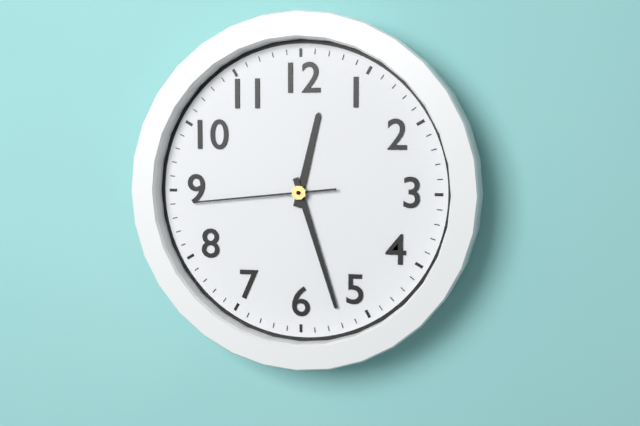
12:27:44
